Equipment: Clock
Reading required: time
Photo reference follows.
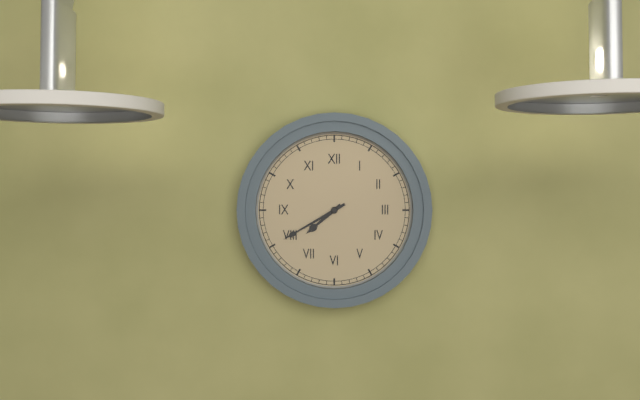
7:40
